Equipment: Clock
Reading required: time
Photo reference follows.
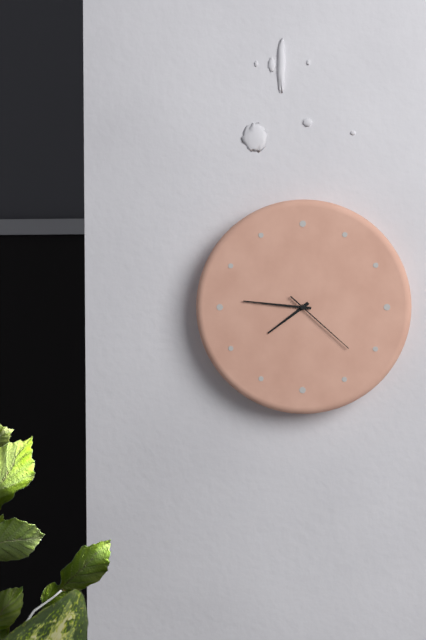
7:46:22
